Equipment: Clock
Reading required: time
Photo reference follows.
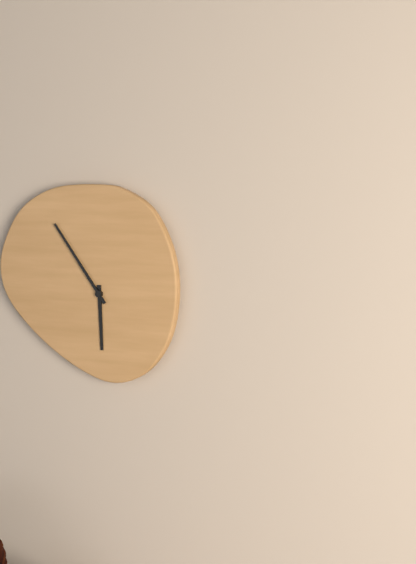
5:54
